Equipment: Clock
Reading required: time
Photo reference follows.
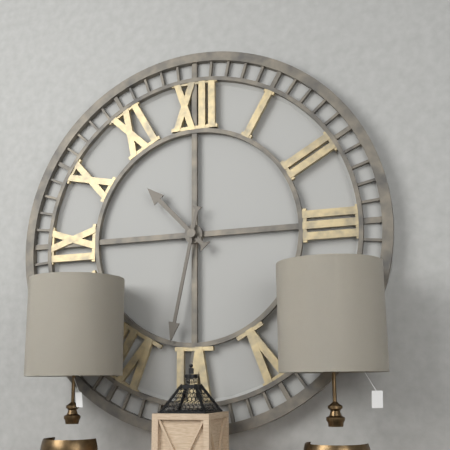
10:32
